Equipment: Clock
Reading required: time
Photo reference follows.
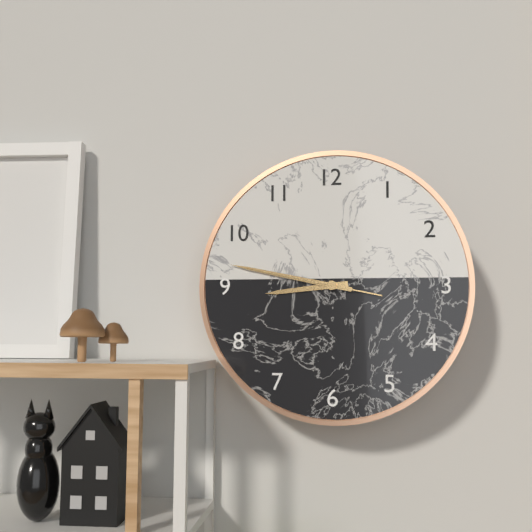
8:47:47
